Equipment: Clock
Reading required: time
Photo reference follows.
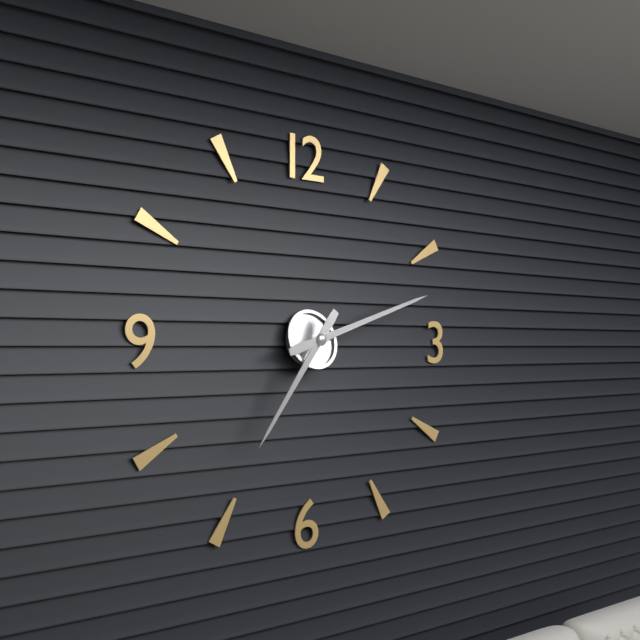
7:12
